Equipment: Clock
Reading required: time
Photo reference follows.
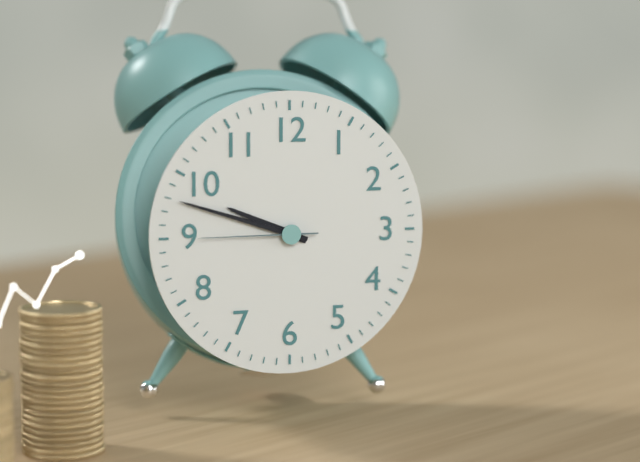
9:48:45
